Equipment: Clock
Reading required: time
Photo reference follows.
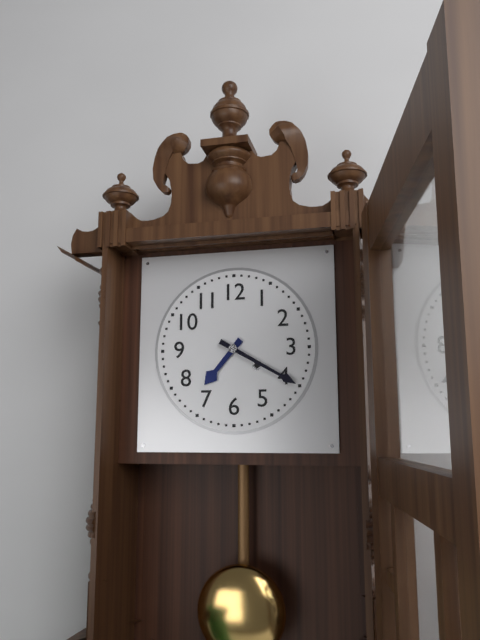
7:20
